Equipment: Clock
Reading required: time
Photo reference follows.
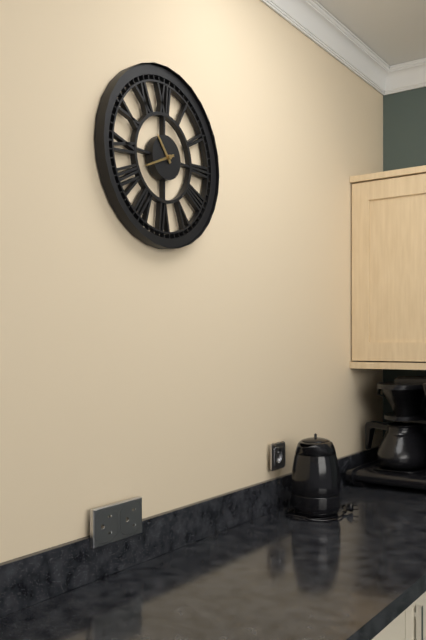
10:41
